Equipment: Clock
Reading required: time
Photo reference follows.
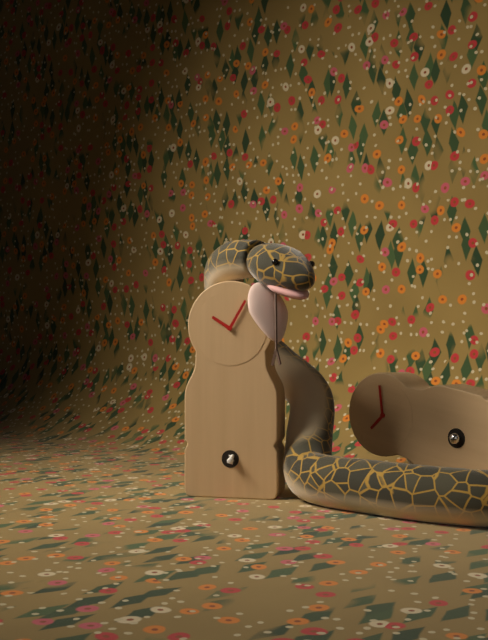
10:05
